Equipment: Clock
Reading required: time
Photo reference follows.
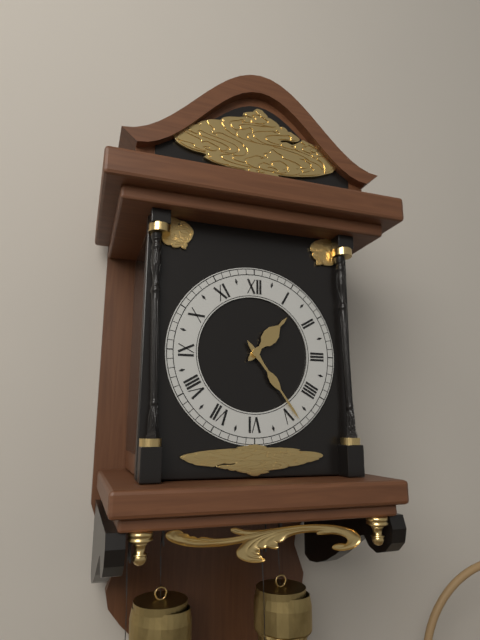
1:24
